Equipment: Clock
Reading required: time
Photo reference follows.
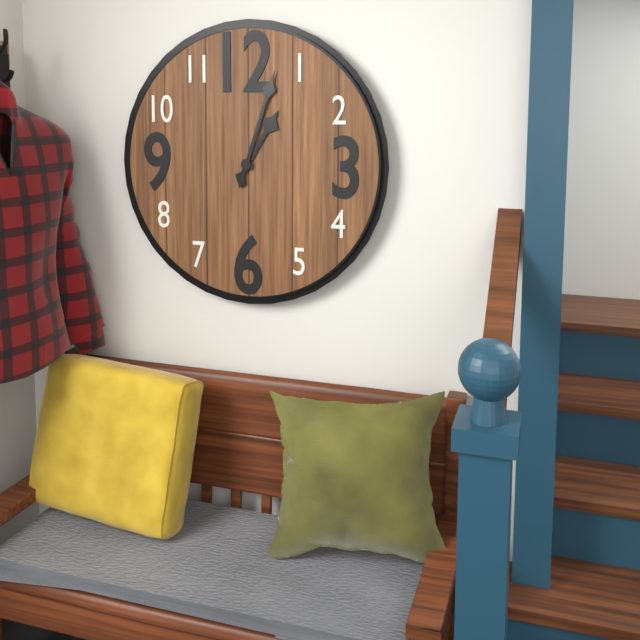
1:03
